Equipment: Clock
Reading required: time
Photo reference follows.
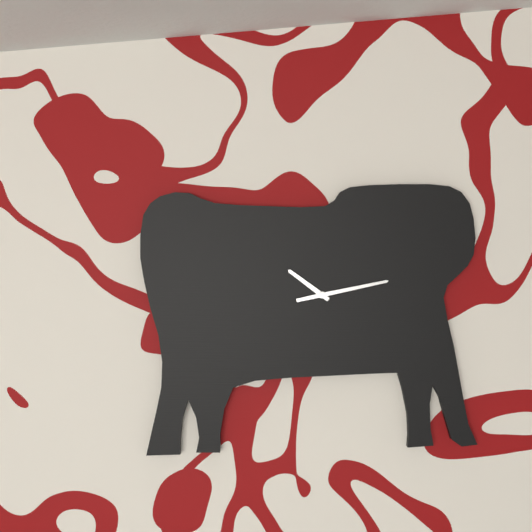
10:13
